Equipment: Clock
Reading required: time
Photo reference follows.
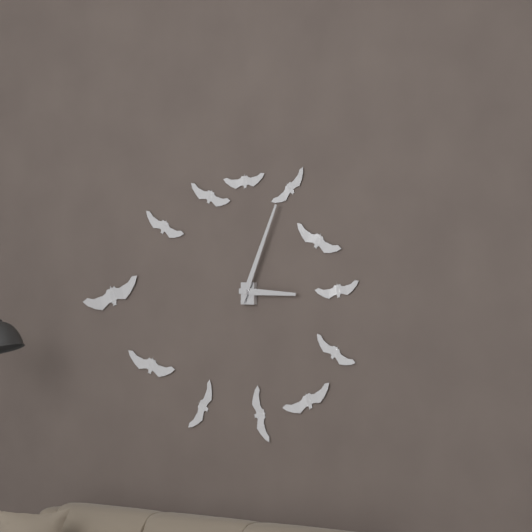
3:04
